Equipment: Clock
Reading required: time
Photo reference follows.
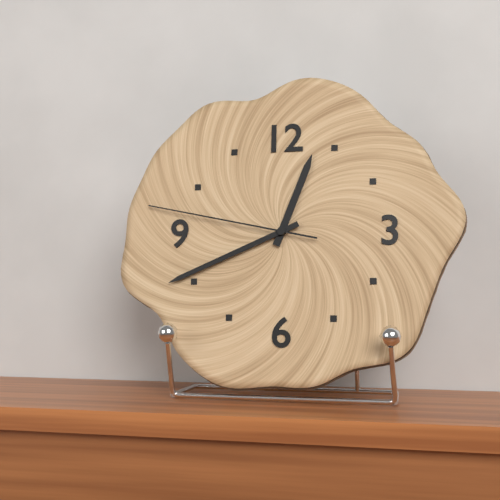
12:41:47
